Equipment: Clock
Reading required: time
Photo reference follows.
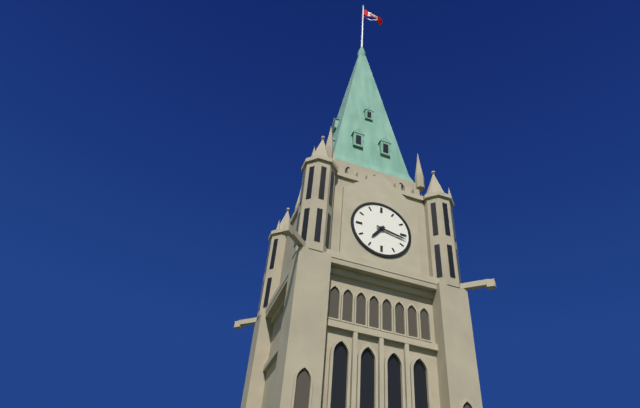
7:17
